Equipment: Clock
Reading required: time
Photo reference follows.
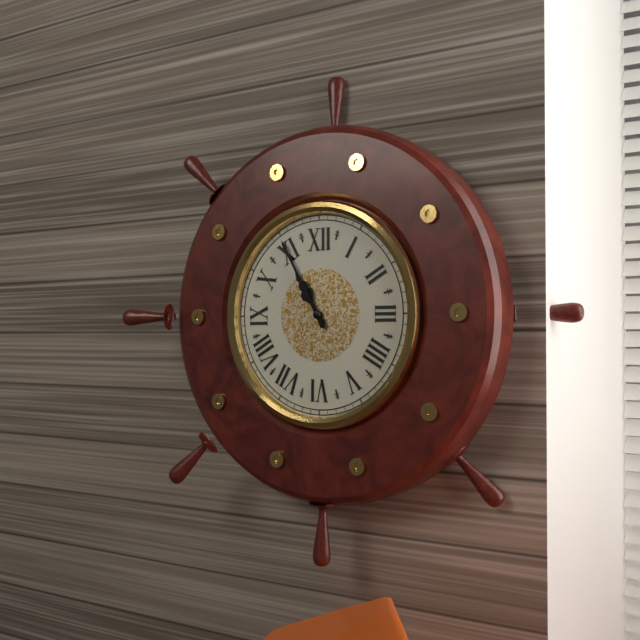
10:55
